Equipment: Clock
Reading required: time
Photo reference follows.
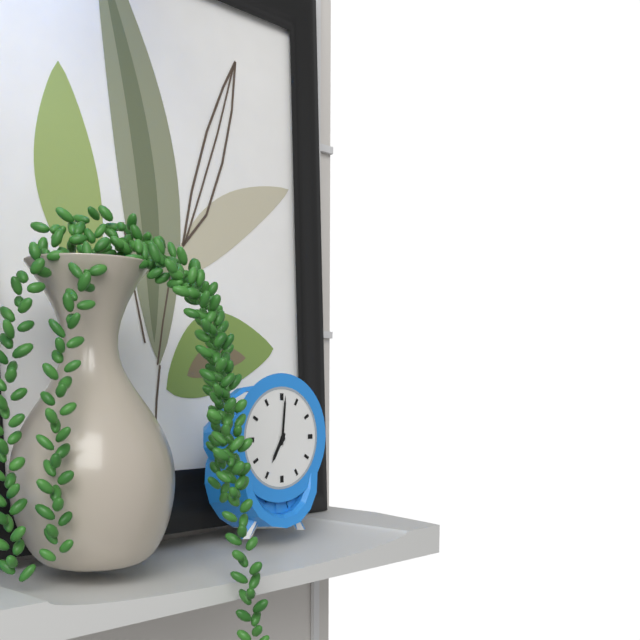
7:01
